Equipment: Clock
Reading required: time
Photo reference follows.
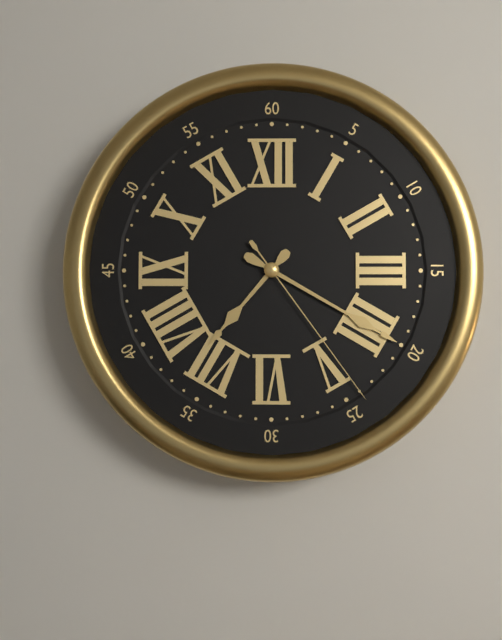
7:20:24
